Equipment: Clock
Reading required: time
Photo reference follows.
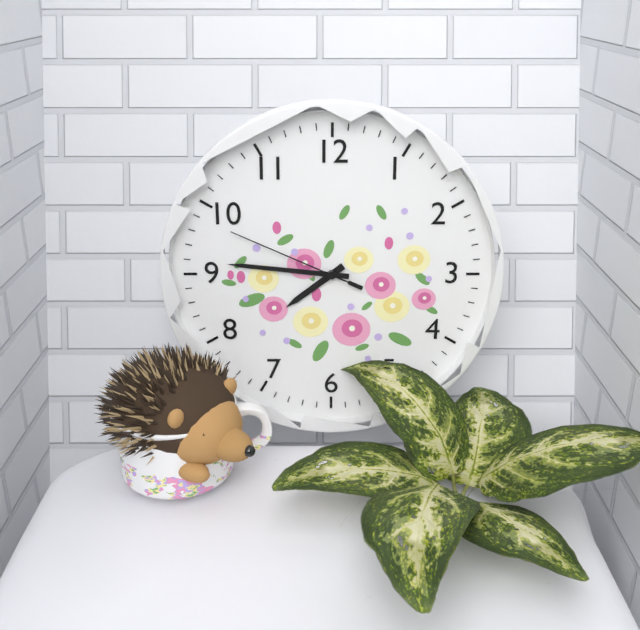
7:46:49
